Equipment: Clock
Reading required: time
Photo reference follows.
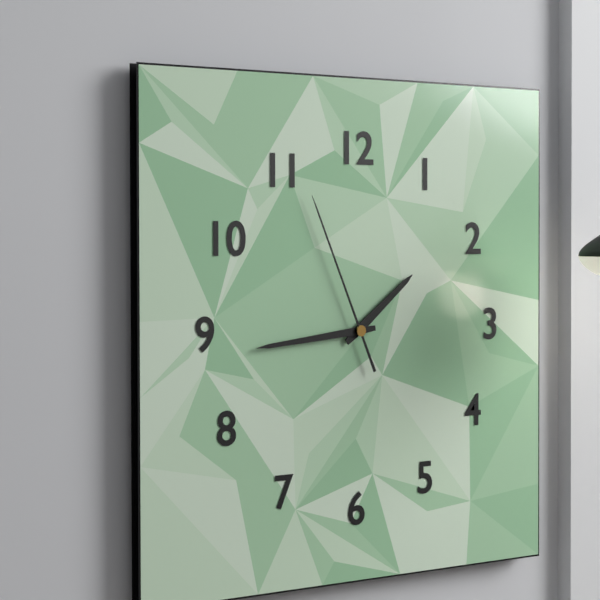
1:44:56
